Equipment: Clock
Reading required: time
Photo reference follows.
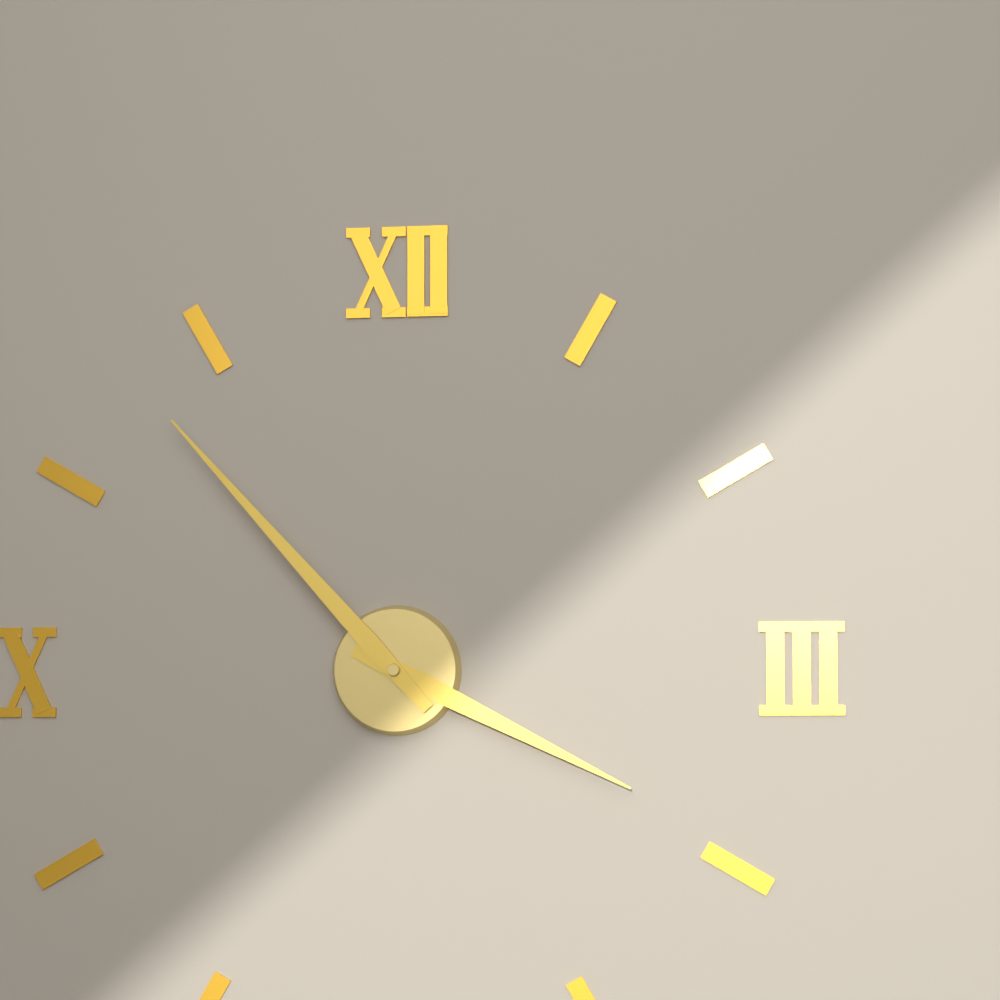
3:53
